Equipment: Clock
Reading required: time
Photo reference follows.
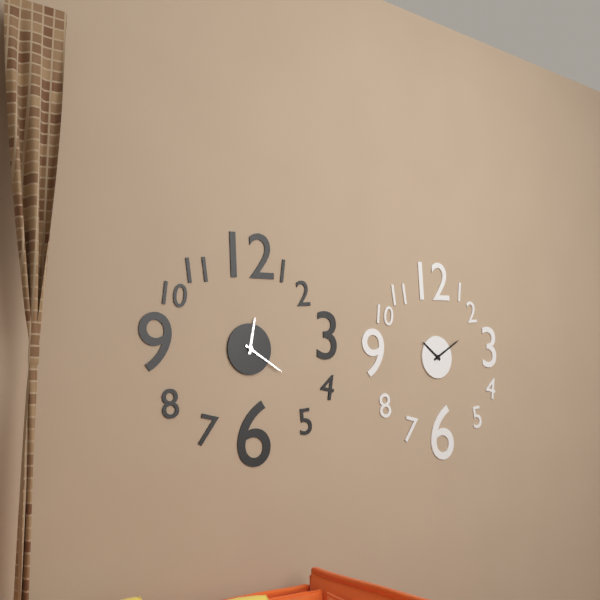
12:20
